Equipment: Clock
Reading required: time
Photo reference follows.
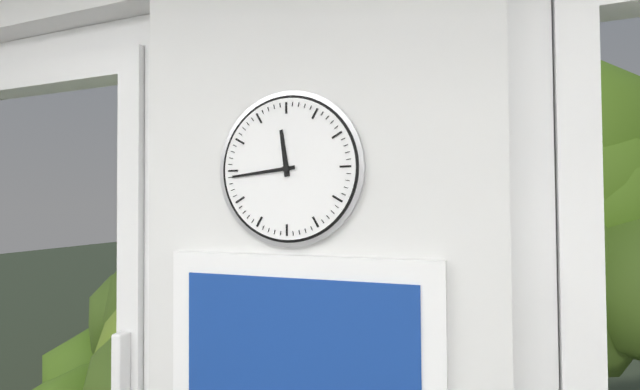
11:44
